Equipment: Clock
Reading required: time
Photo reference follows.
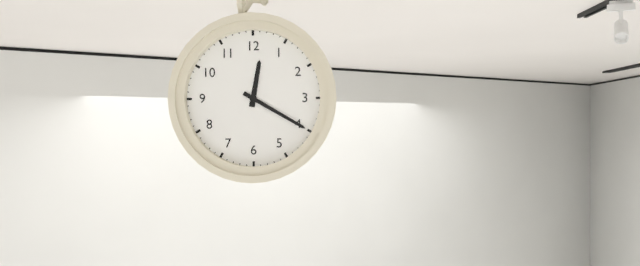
12:20
